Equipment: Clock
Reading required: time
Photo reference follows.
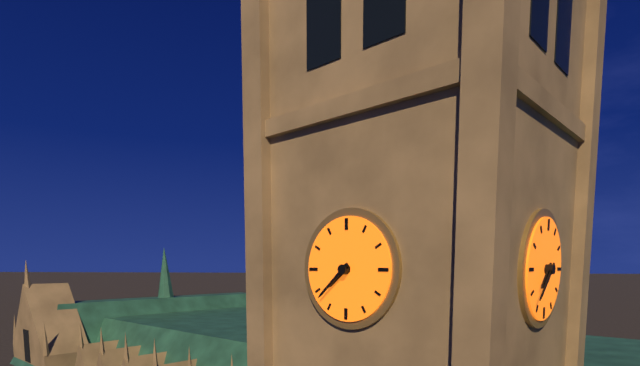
7:38
